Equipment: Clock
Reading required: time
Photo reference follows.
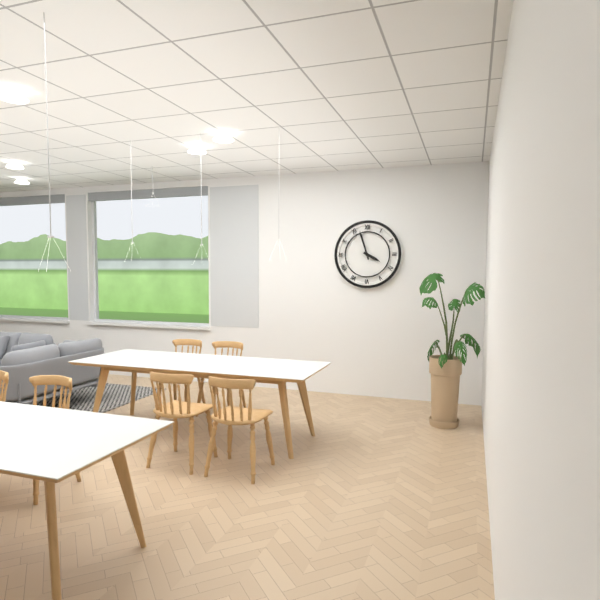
3:57
